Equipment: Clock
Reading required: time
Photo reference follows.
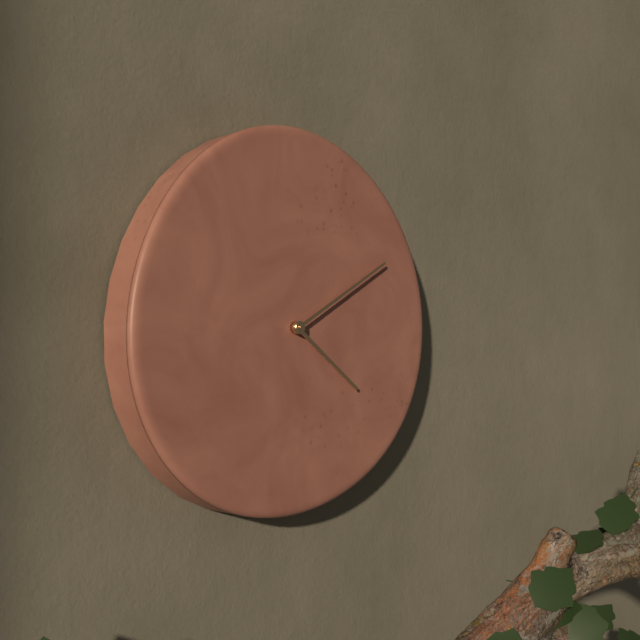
4:10
